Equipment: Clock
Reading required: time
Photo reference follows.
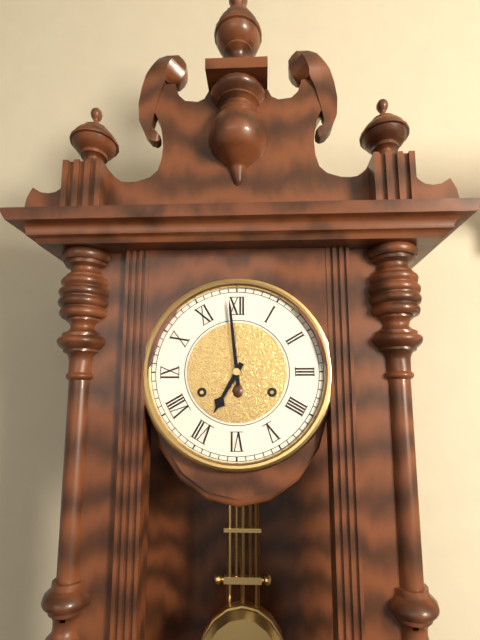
6:59
